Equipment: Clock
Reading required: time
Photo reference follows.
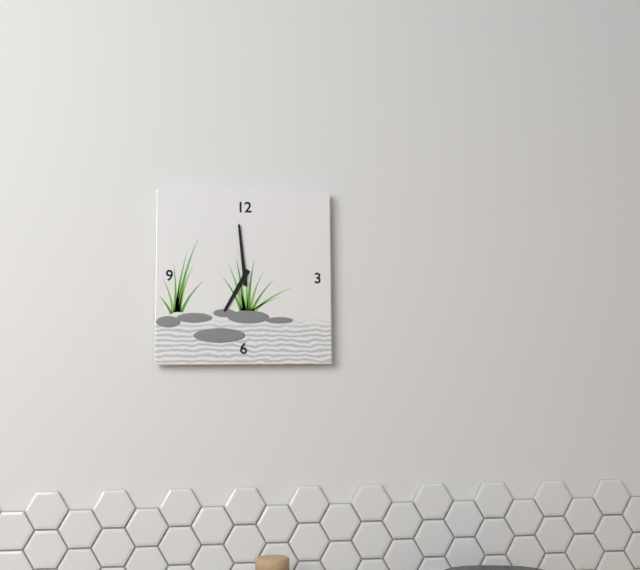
6:59
